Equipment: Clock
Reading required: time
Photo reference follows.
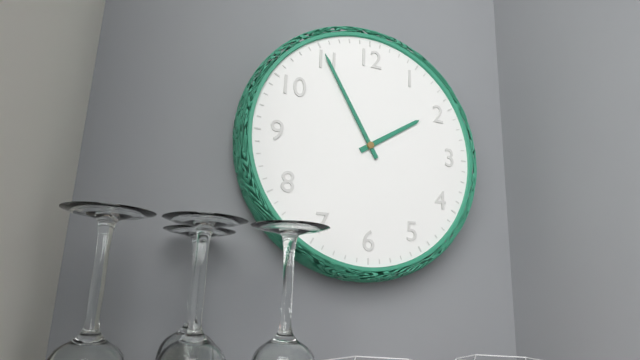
1:55
